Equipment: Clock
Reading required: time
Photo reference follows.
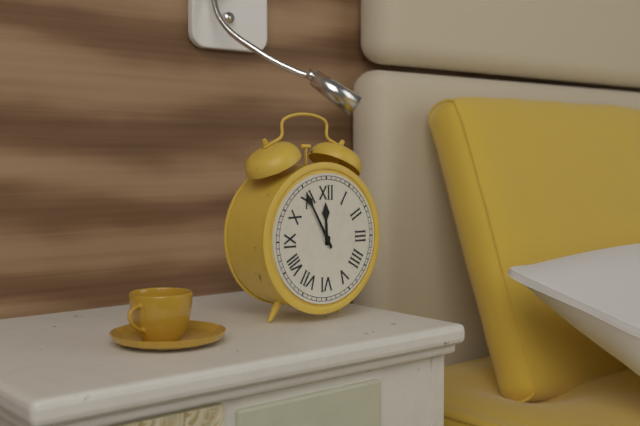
11:55
